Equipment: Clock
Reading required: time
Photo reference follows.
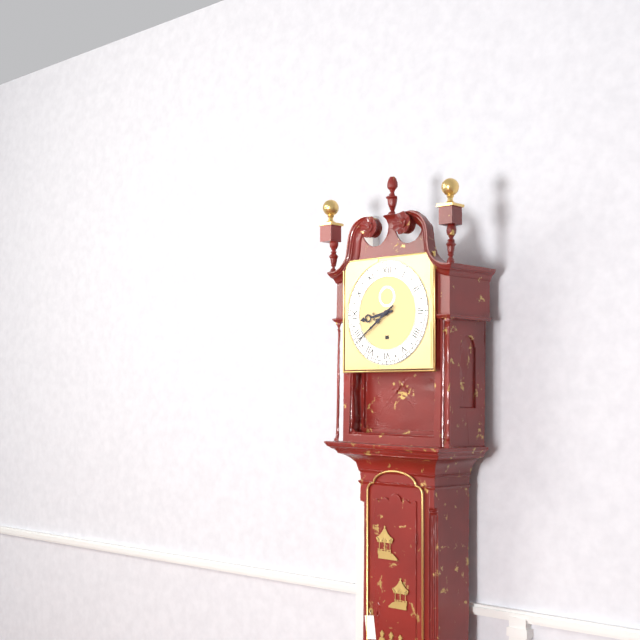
8:39
